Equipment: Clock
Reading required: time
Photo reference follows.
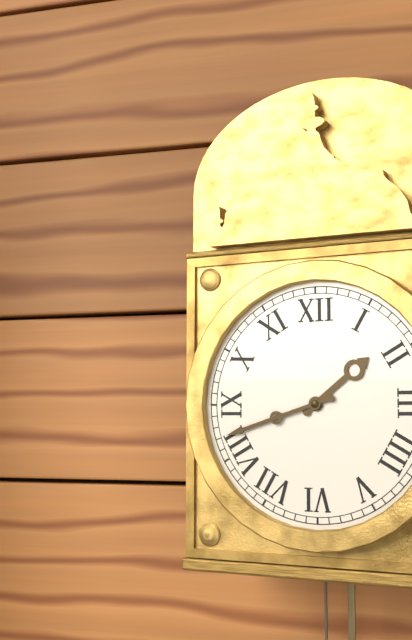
1:42
